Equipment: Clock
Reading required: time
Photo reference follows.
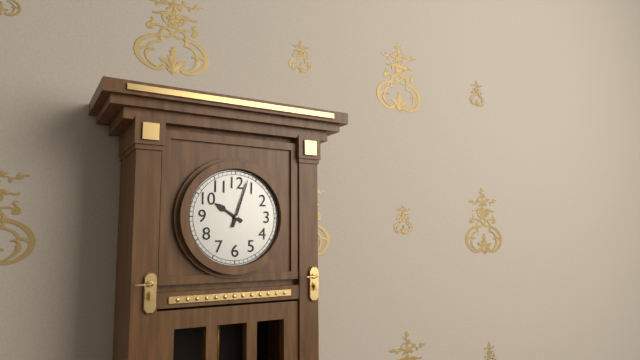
10:03
